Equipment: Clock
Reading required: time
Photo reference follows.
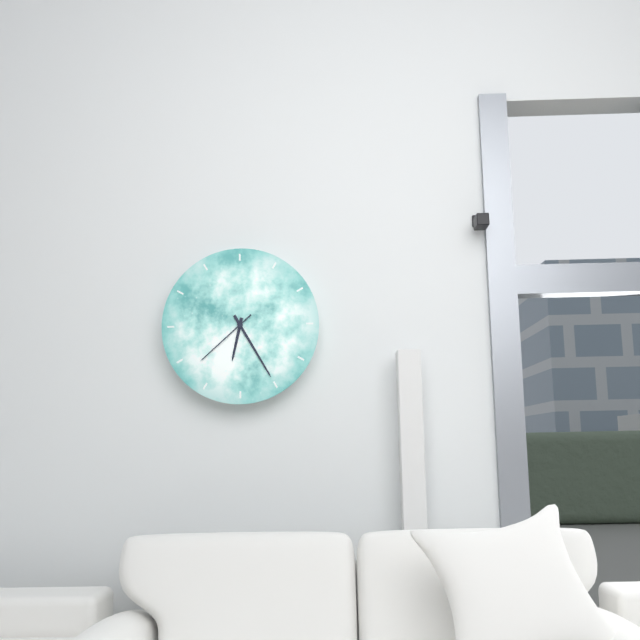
6:25:38
